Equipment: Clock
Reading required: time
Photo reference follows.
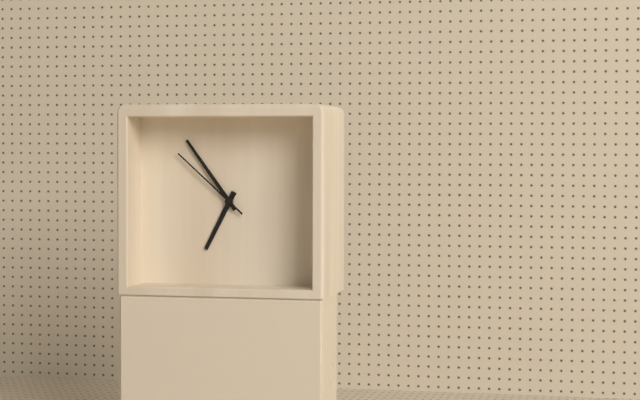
6:54:52
